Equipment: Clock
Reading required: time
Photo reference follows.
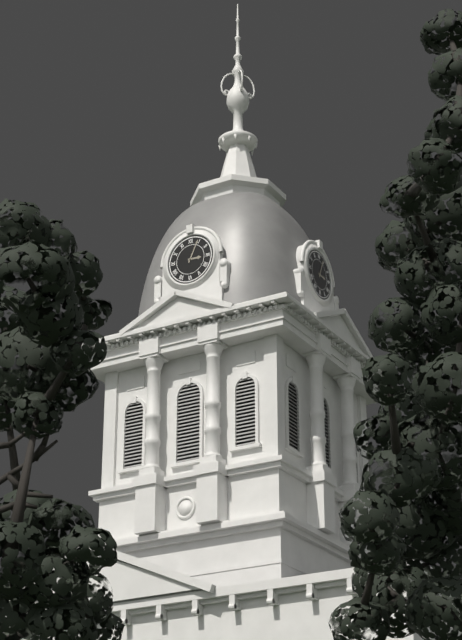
3:04
